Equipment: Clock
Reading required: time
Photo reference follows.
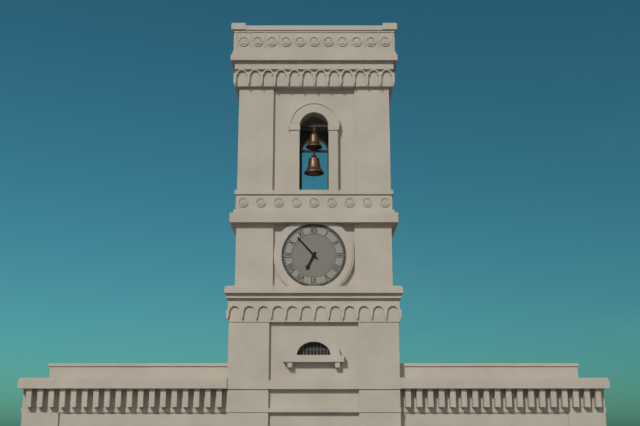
6:53
